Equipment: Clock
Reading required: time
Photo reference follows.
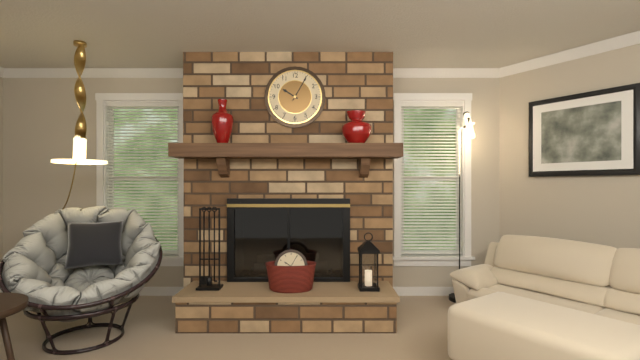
10:05
